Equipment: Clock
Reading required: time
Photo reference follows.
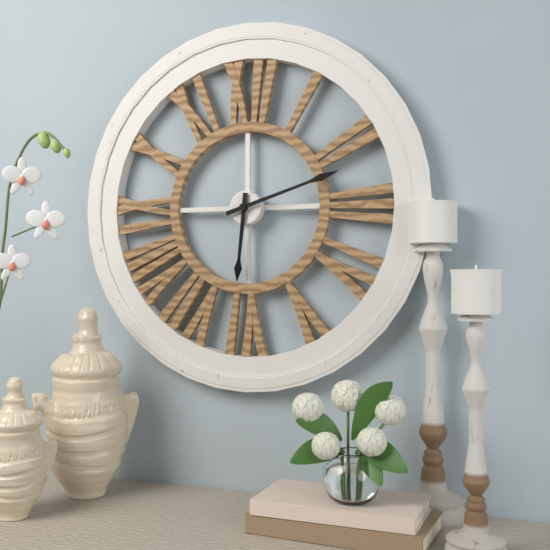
6:12
